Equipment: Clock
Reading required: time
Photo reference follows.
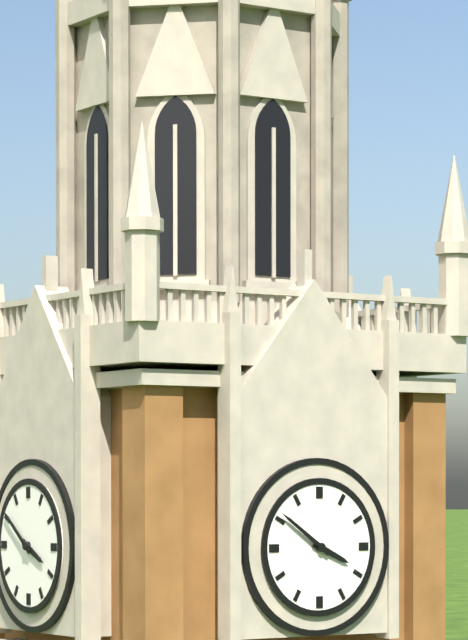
3:51
